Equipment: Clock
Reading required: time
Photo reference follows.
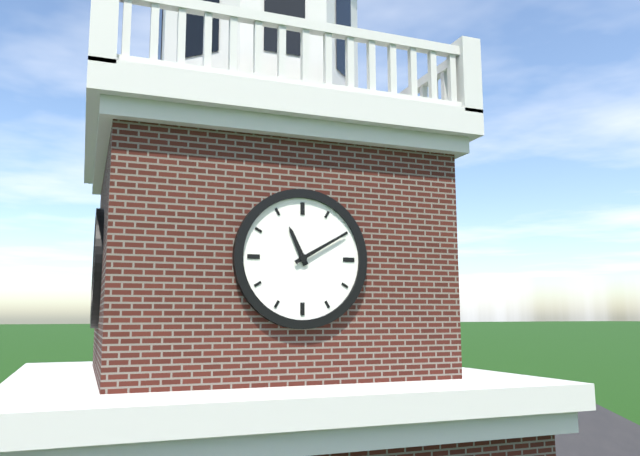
11:10
